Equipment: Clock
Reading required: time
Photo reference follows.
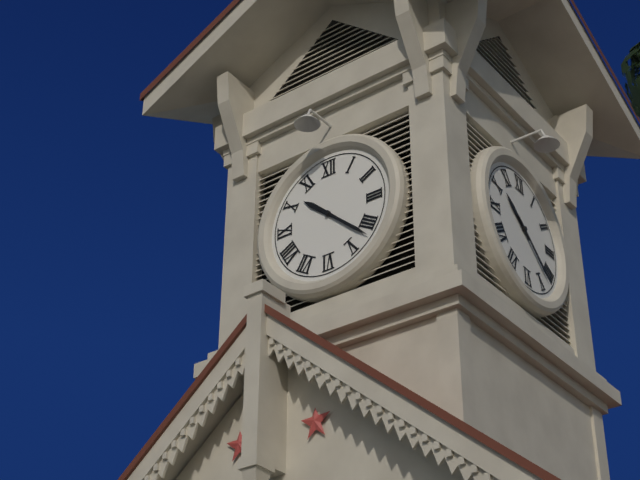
10:22
